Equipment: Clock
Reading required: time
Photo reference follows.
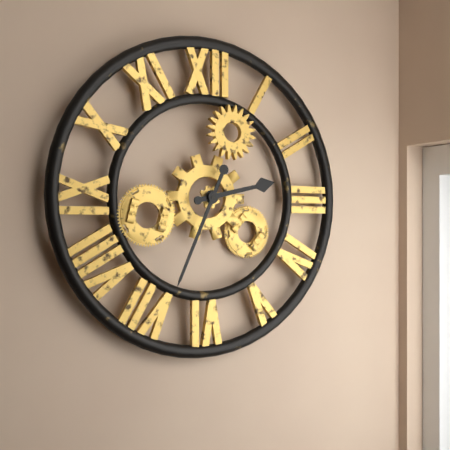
2:34
